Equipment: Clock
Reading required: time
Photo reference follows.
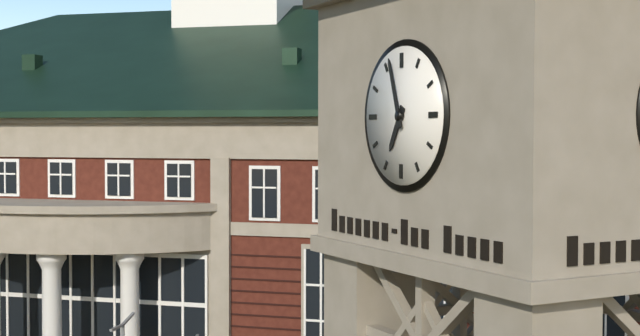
6:57
